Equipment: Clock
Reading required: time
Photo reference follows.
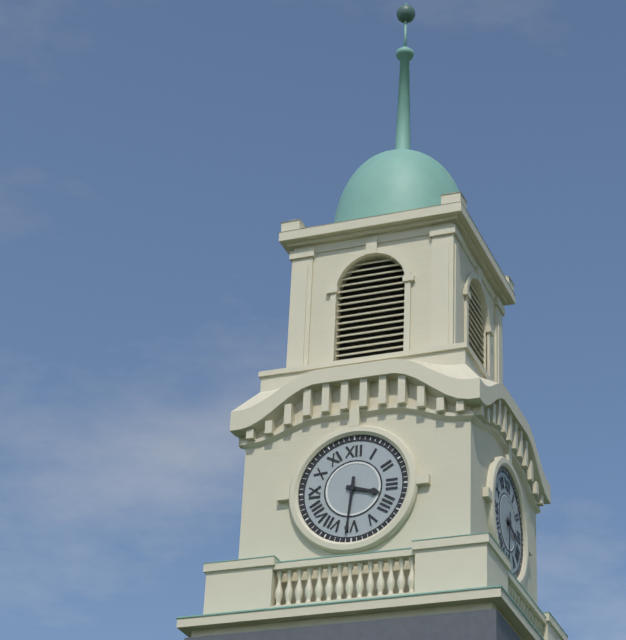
3:31
